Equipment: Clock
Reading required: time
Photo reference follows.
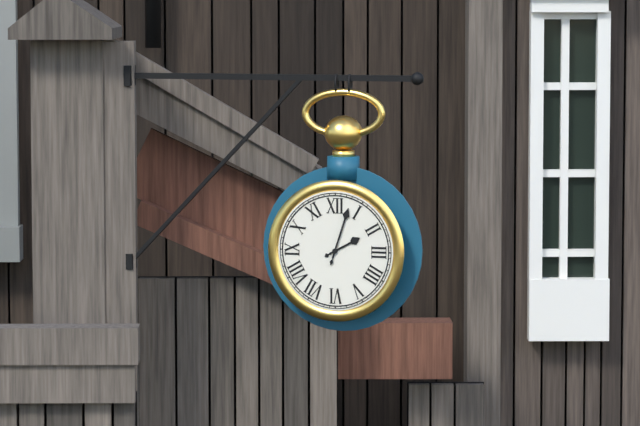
2:03
